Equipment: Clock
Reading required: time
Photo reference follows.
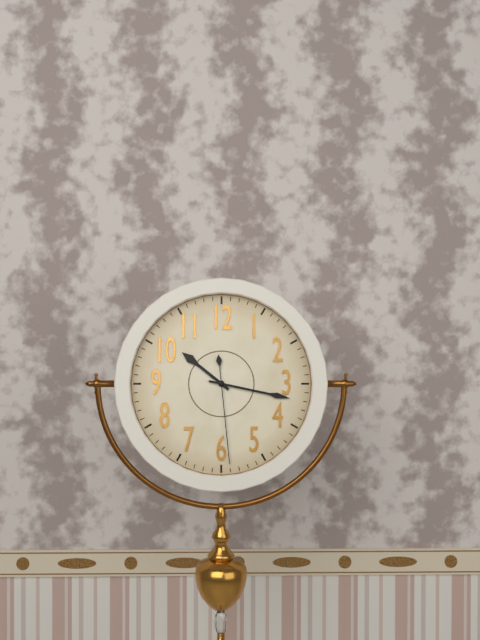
10:17:29
